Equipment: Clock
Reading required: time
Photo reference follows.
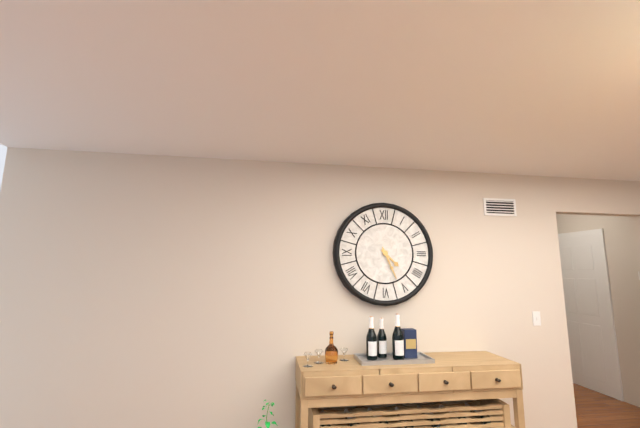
4:26
